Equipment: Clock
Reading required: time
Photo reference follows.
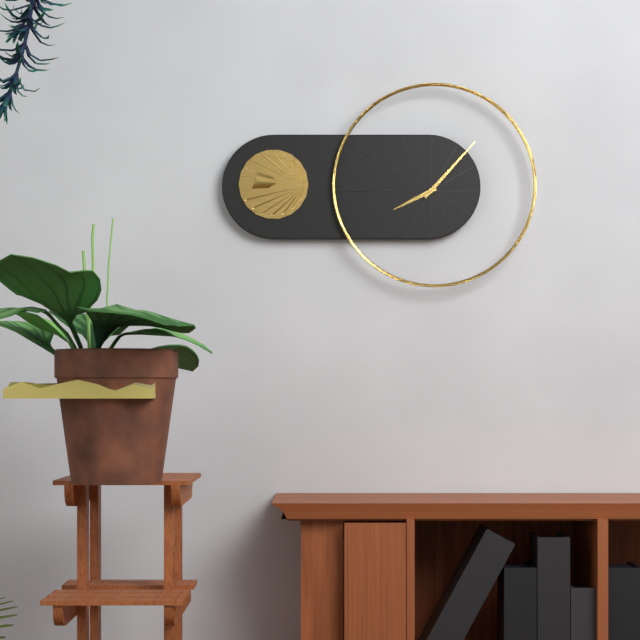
8:07
